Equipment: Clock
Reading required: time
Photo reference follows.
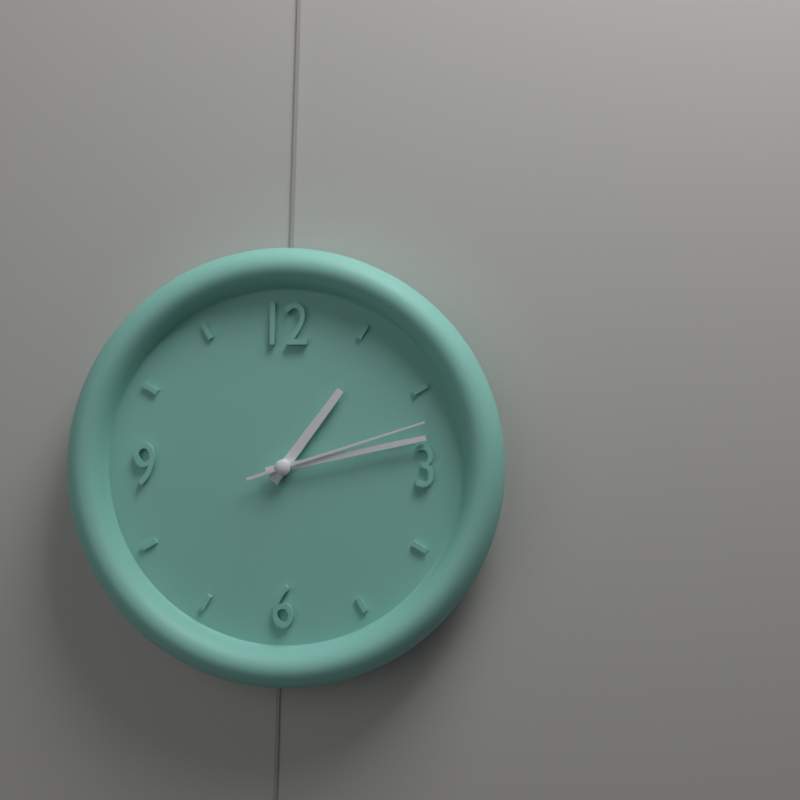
1:13:12
